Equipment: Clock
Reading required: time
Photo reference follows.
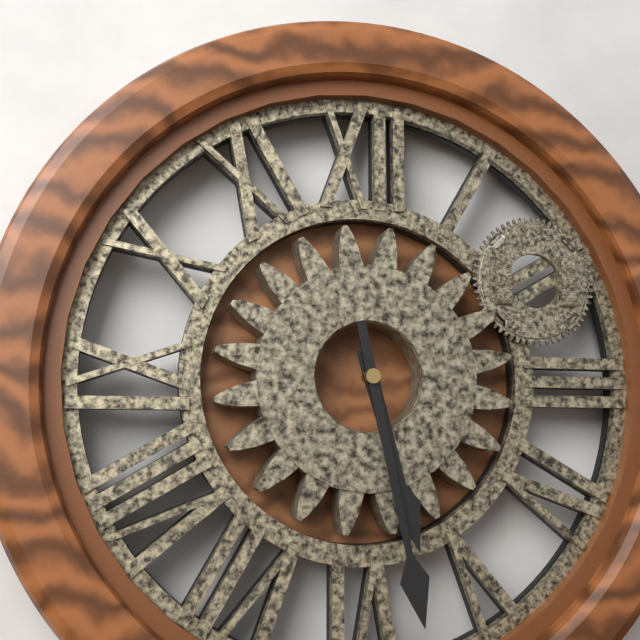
5:28
